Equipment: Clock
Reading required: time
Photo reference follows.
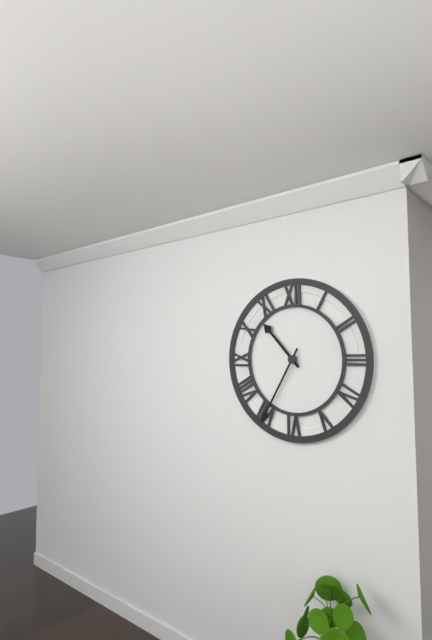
10:35
